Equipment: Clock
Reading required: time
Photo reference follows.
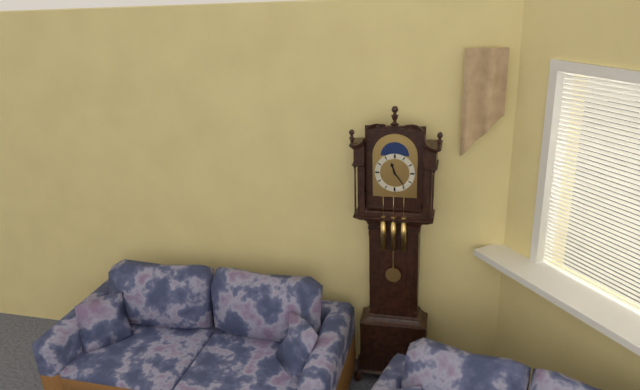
11:24
